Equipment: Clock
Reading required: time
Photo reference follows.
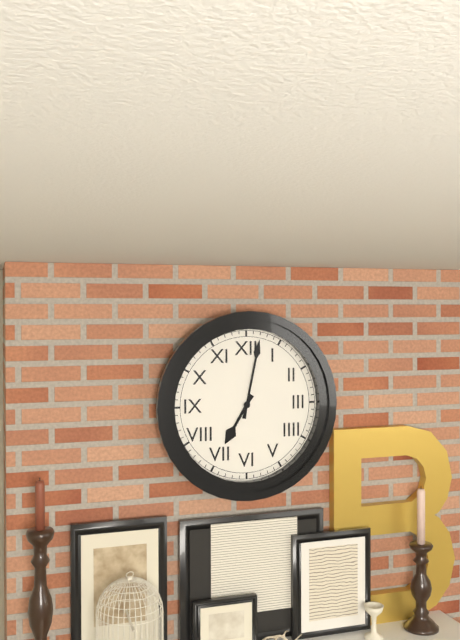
7:02
